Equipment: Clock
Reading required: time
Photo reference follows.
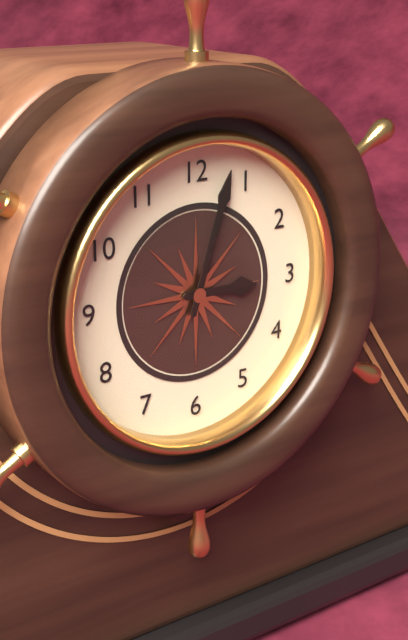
3:03
